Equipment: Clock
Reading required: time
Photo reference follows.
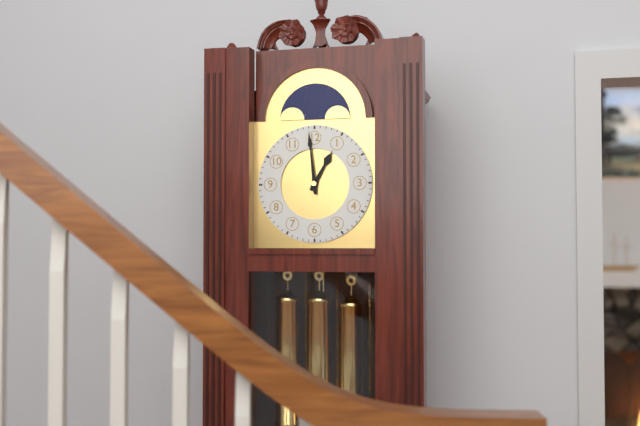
12:59
